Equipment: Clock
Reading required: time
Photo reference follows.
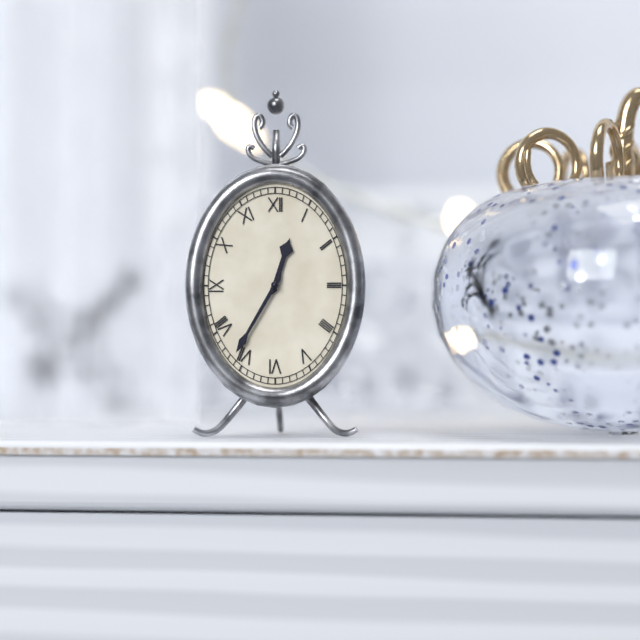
12:35
